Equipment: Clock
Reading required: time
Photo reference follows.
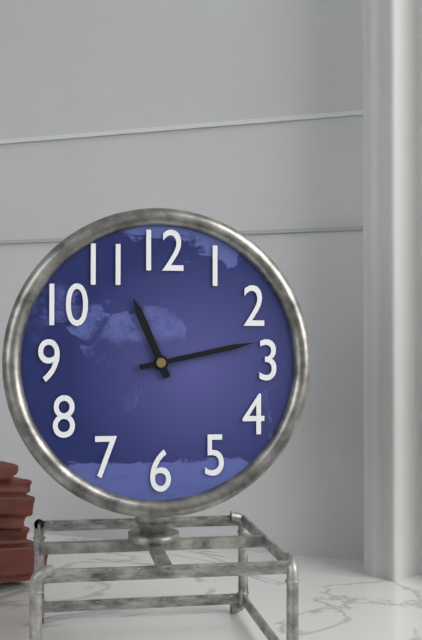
11:13
